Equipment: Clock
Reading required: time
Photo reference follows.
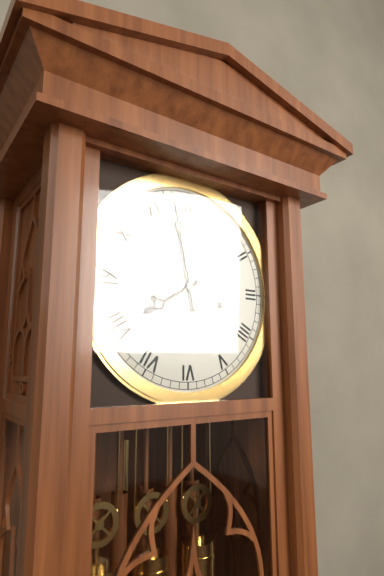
7:58
